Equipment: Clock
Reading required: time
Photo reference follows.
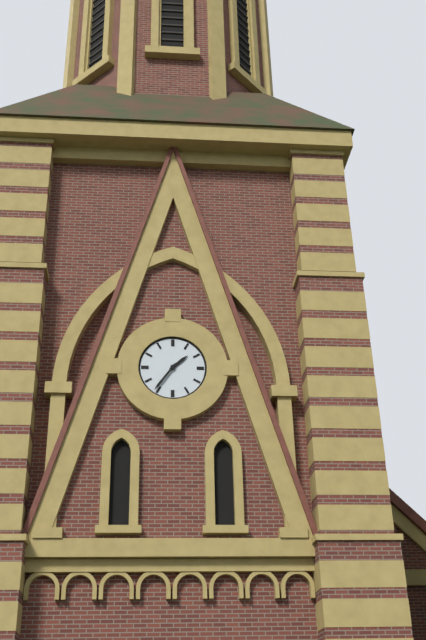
1:36
